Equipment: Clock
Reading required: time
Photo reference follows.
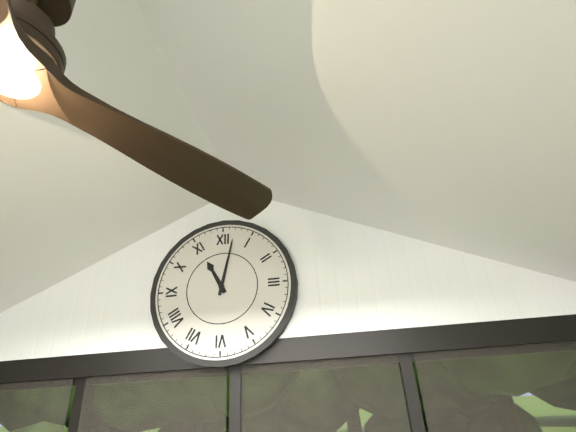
11:02
